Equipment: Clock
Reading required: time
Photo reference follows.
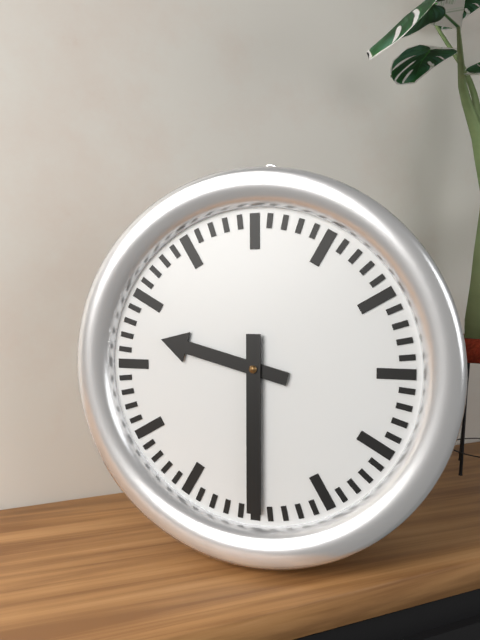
9:30
